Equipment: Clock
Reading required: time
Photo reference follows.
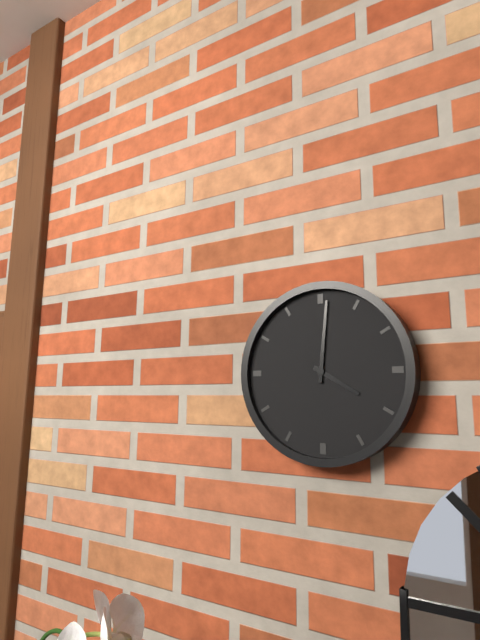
4:01
